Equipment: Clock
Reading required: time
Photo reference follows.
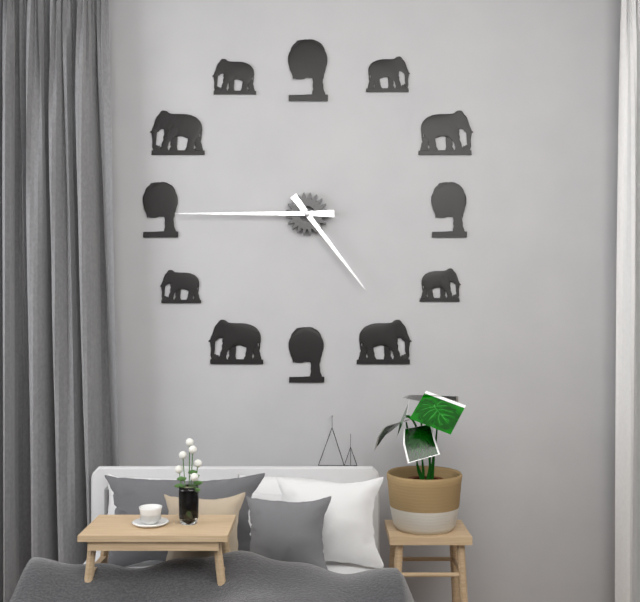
4:45
